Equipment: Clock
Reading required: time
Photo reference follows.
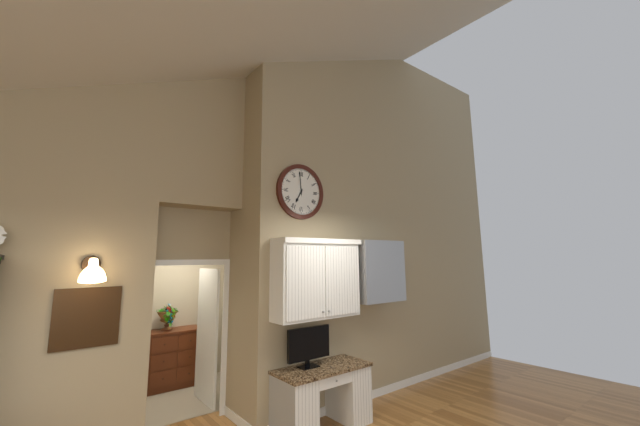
6:59
